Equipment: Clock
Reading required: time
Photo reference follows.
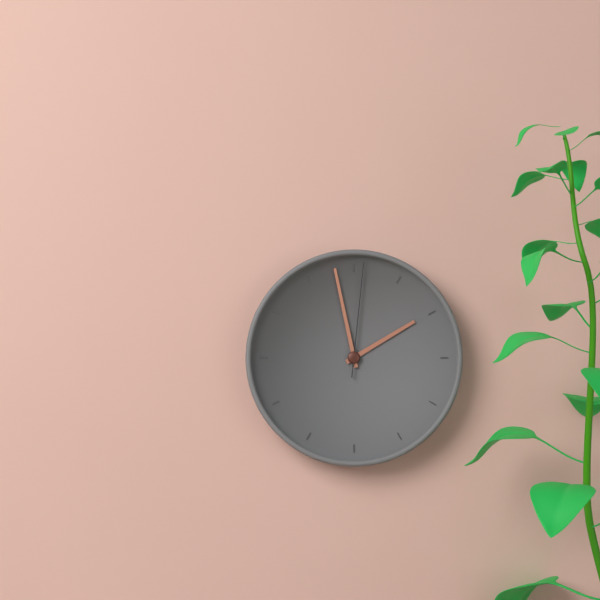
1:58:01
